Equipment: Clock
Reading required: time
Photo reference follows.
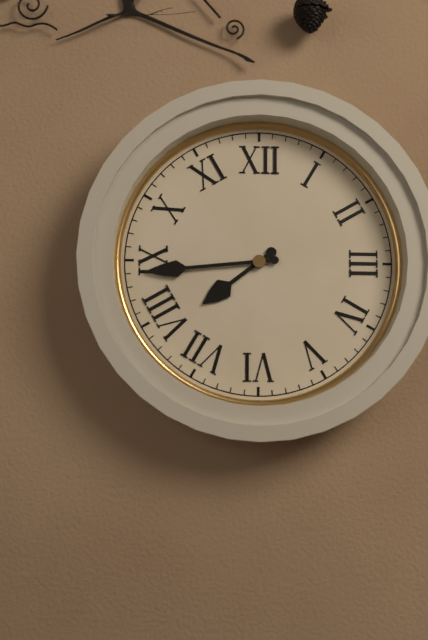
7:44
